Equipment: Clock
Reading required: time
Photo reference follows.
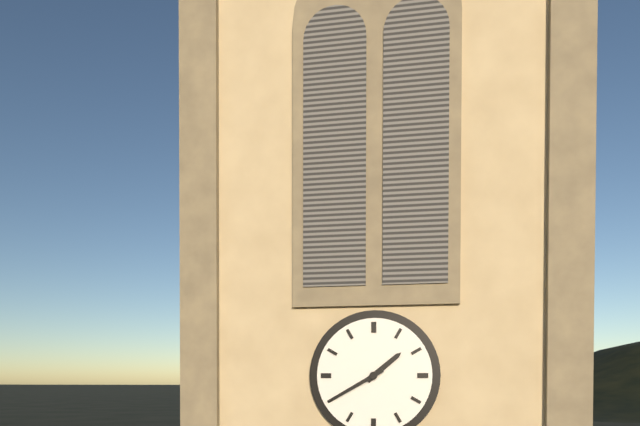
1:40
